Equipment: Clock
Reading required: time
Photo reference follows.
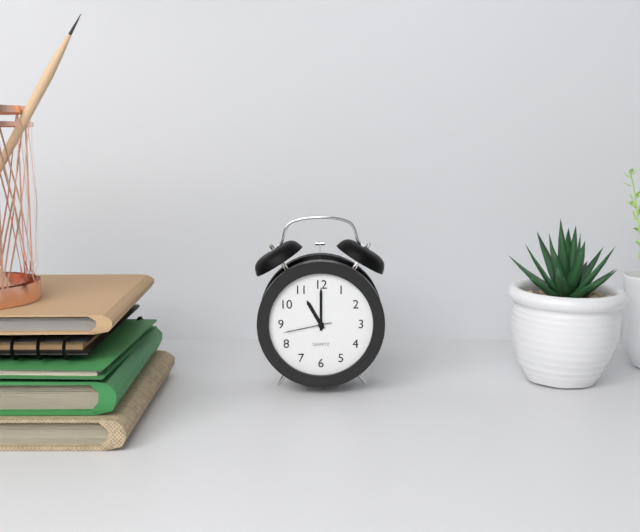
11:00
